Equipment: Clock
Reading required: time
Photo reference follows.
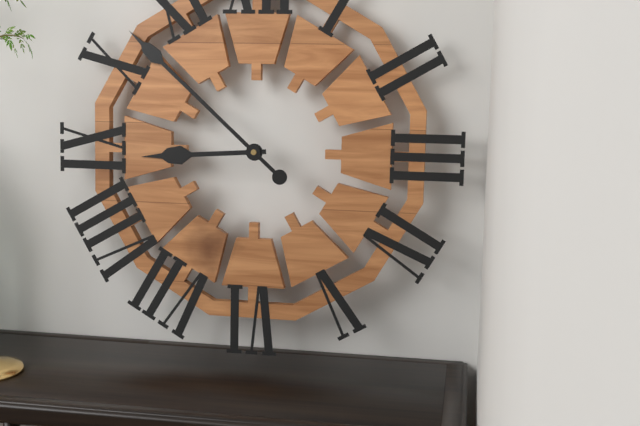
8:52
